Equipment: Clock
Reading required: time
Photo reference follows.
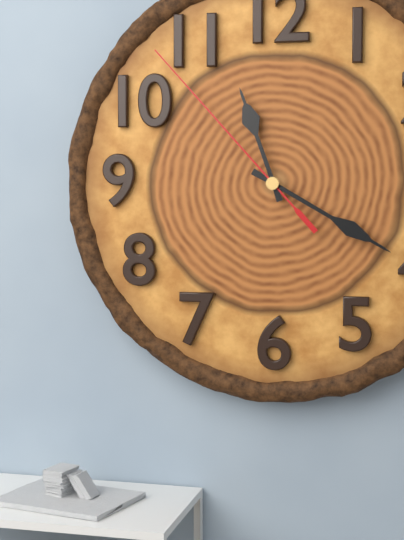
11:20:53
